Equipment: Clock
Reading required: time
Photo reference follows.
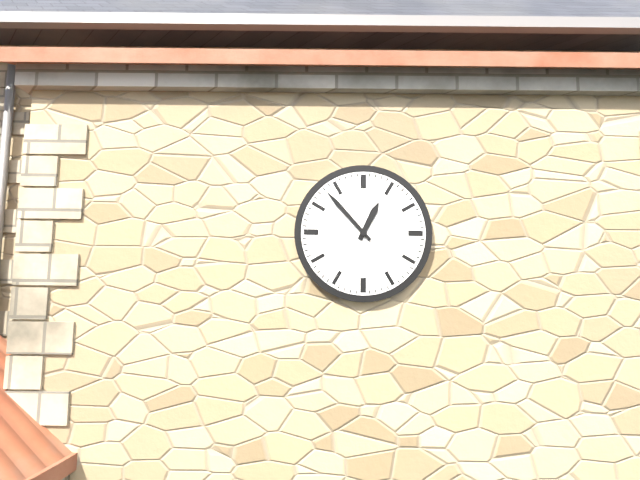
12:53
